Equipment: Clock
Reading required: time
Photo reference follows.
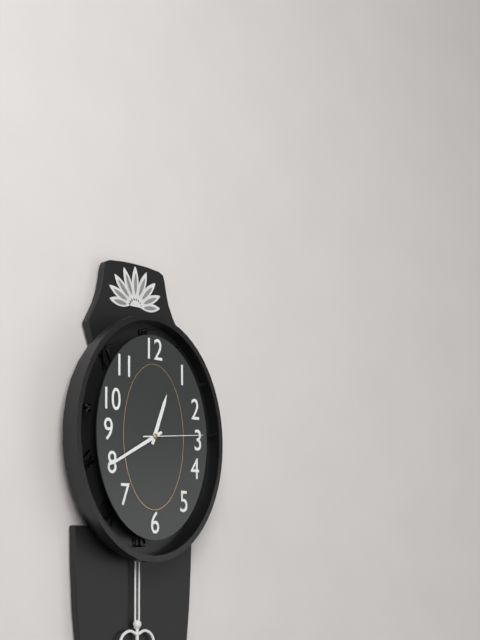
12:40:14
